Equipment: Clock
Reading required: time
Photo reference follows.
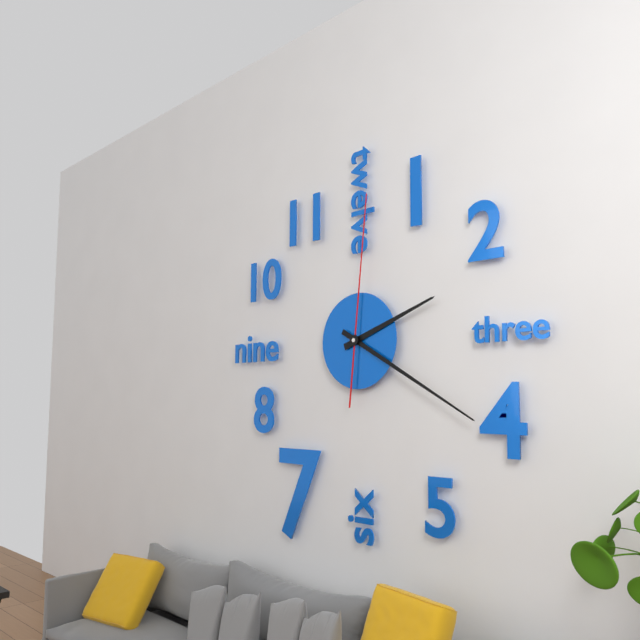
2:20:01
